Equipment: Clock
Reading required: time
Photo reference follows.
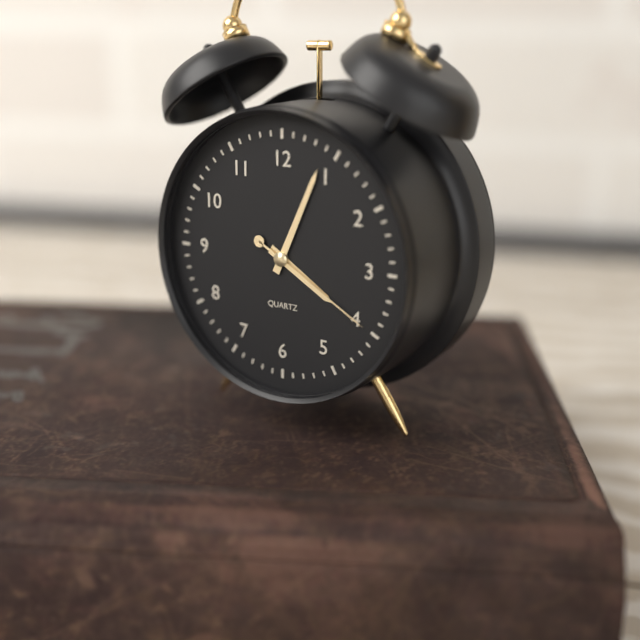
4:04:20
